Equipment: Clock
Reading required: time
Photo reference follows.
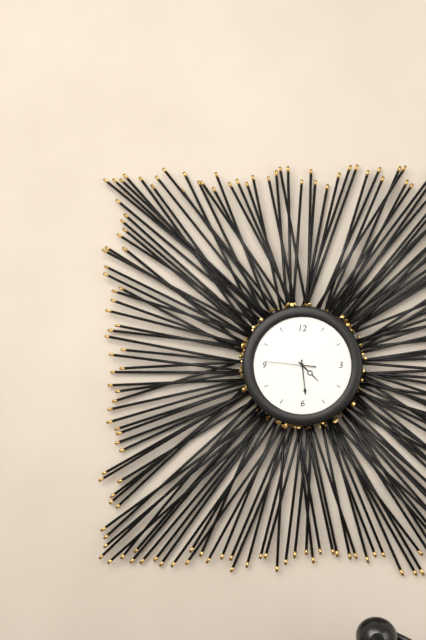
4:29
